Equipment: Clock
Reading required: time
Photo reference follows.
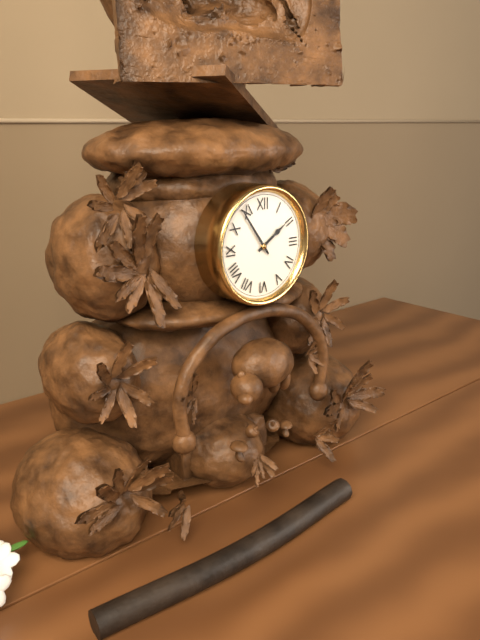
1:54
